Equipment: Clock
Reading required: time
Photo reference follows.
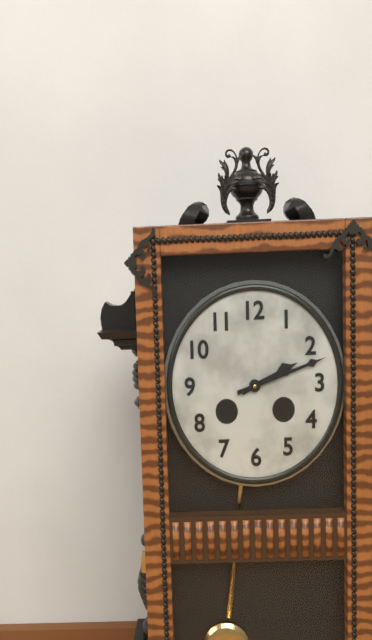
2:12
